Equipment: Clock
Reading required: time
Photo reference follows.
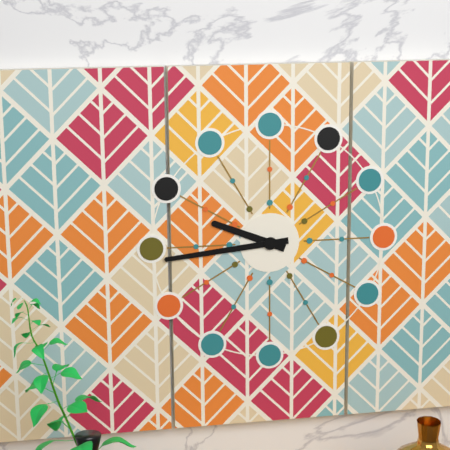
9:44
